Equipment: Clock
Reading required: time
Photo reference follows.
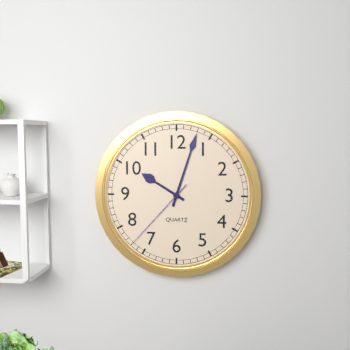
10:03:37
